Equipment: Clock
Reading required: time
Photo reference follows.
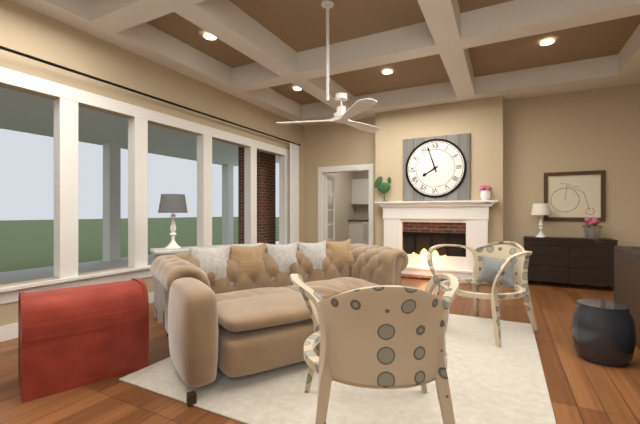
7:57
